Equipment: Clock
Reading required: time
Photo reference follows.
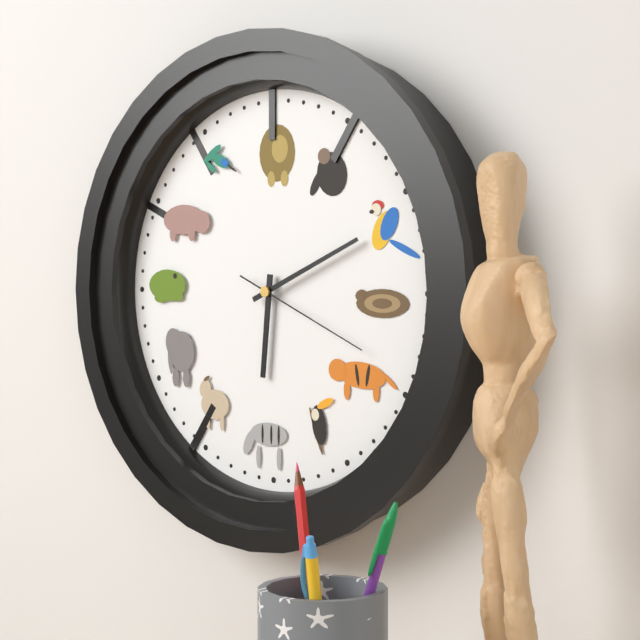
6:11:19
